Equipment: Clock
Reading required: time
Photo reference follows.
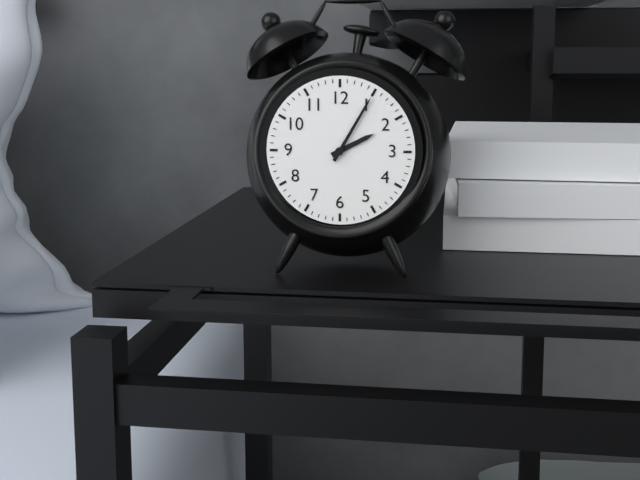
2:05
